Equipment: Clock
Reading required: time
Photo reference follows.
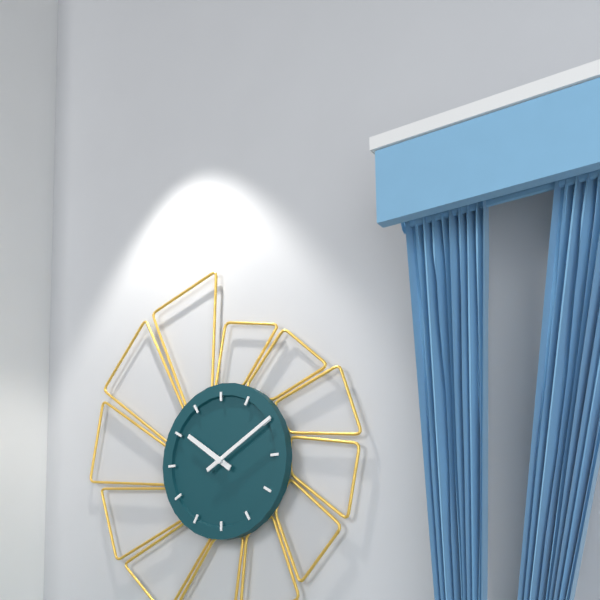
10:10
